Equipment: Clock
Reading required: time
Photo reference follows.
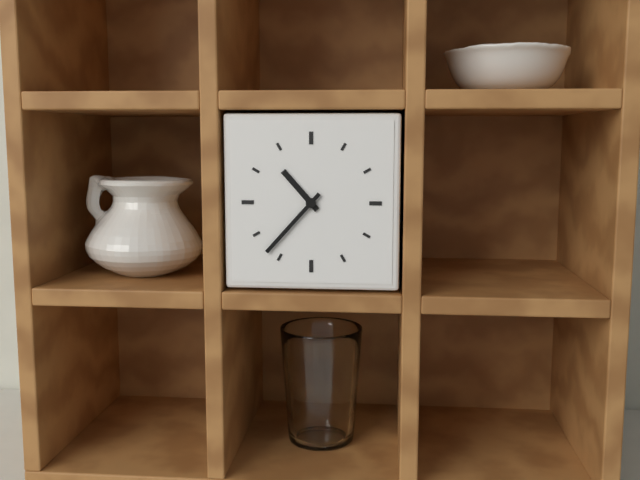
10:37
